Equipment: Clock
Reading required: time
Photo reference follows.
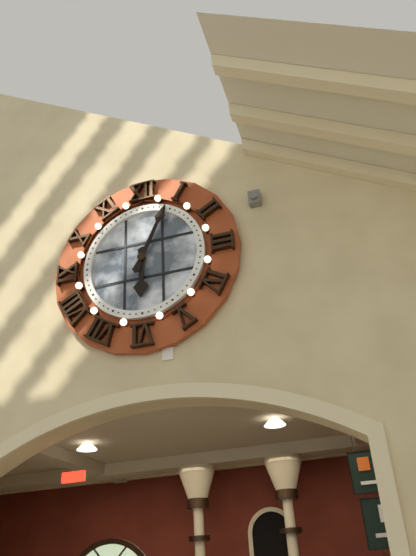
6:04
